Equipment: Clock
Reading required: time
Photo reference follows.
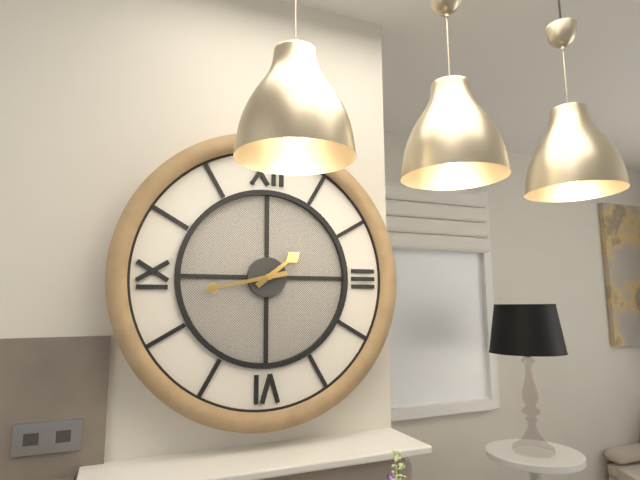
1:43
